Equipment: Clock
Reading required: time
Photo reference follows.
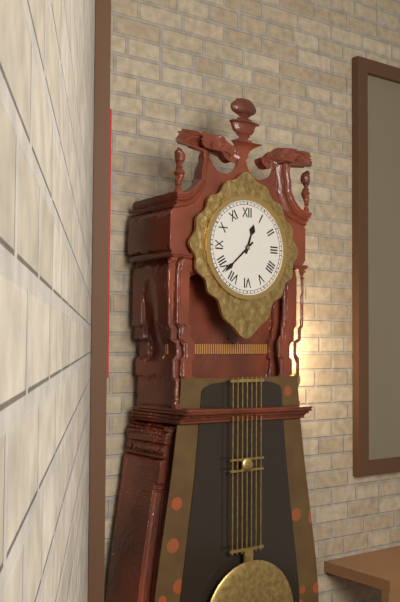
12:38
